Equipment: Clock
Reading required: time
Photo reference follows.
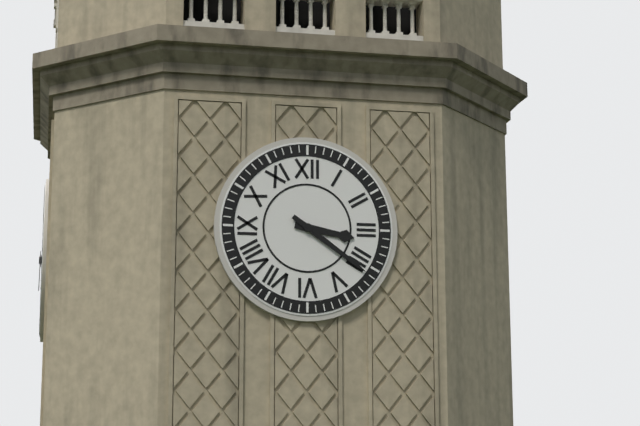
3:21
